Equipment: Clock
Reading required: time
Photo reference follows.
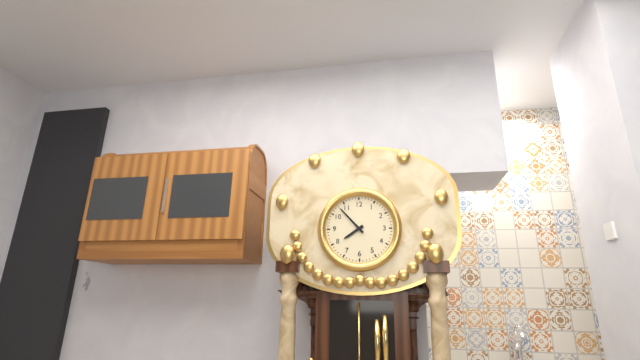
7:53
